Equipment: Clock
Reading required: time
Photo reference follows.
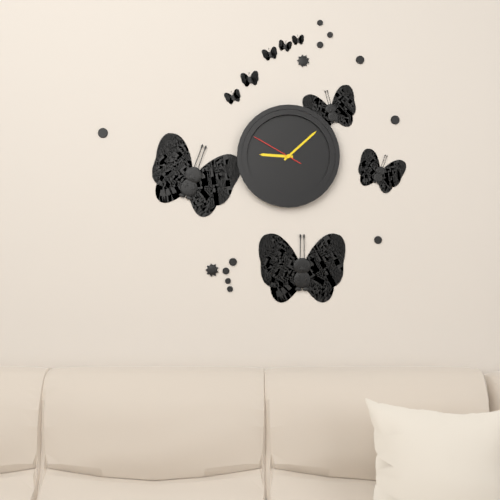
9:08:50
